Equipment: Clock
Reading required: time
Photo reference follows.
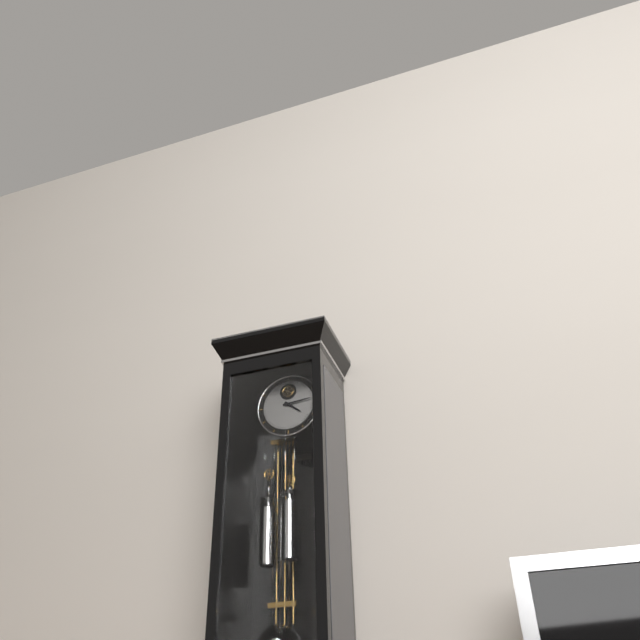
4:14
